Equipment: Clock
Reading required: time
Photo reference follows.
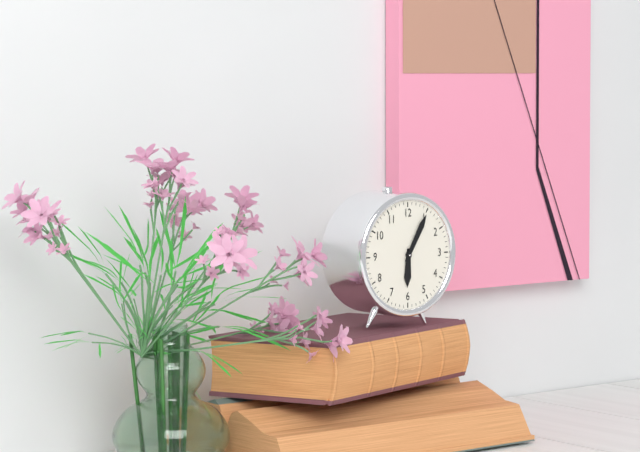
6:05
